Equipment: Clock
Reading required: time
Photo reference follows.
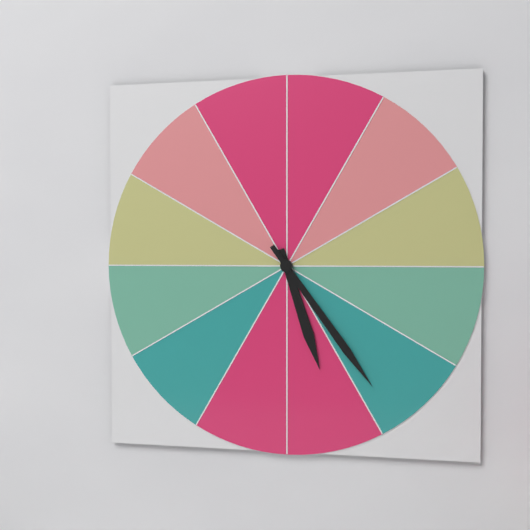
5:24
